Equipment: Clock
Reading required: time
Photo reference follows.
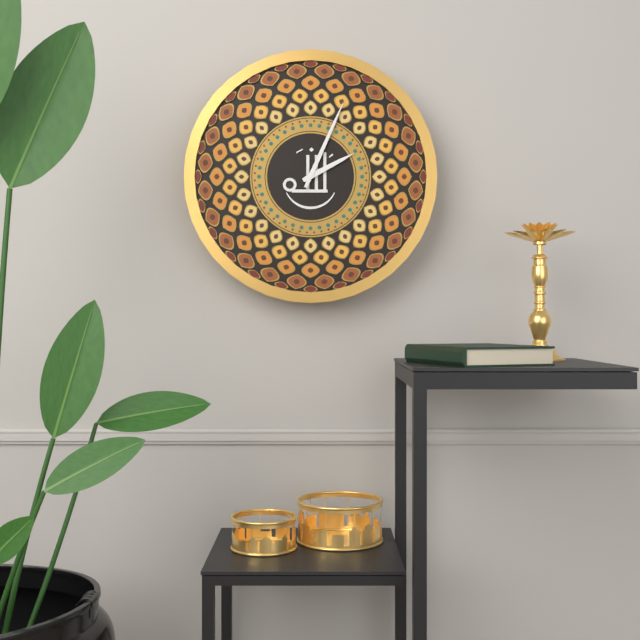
2:04
